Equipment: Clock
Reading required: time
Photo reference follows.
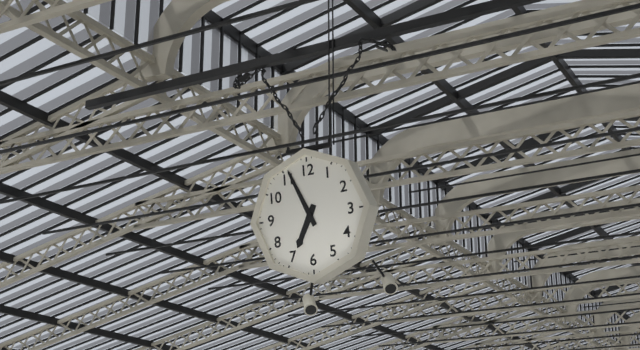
6:56
